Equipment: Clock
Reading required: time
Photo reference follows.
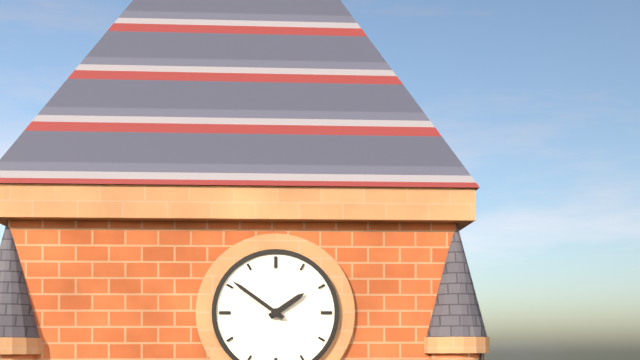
1:51
